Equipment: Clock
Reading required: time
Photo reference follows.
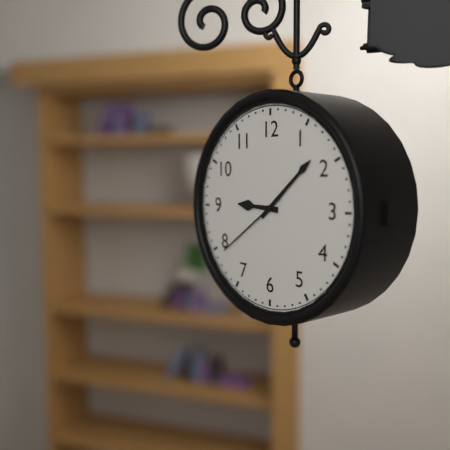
9:08:39
